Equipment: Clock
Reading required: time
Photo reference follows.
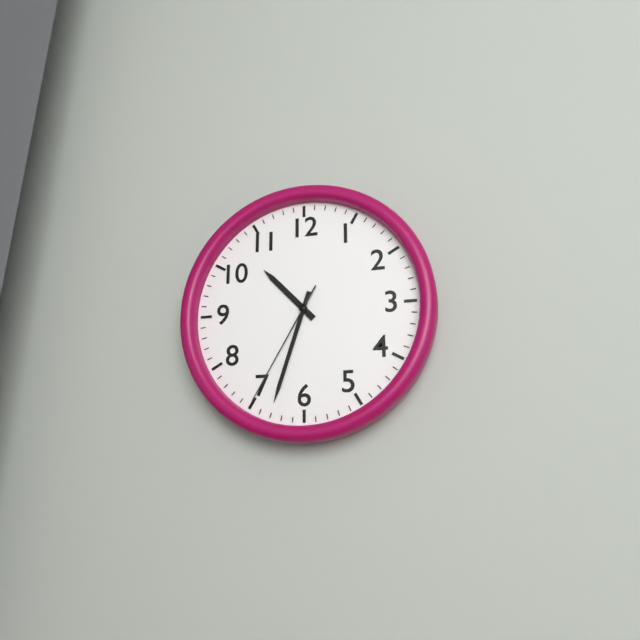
10:33:35
